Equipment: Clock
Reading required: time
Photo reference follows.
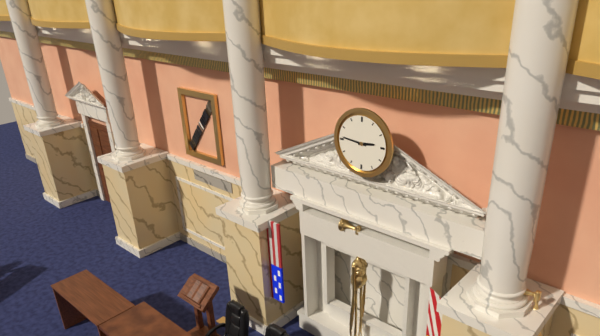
2:46
